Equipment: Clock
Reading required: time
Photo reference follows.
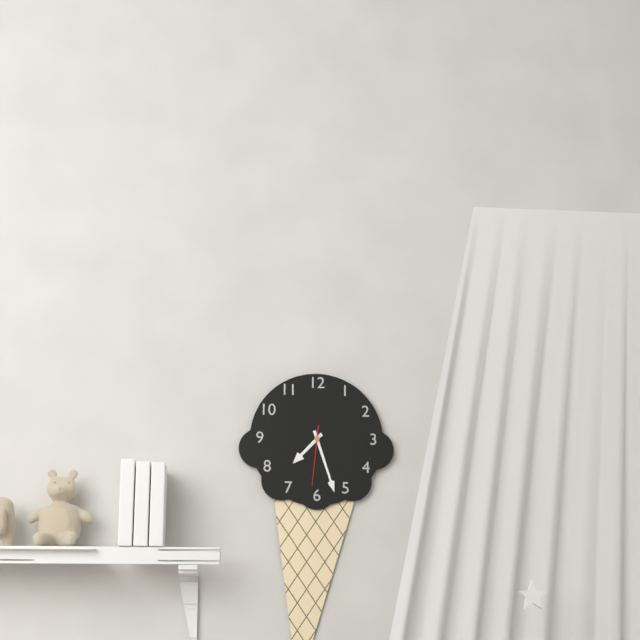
7:27:31
